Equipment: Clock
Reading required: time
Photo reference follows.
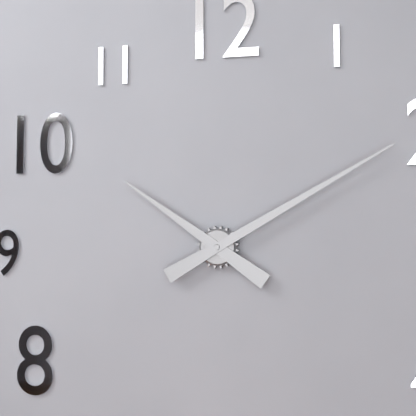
10:10
